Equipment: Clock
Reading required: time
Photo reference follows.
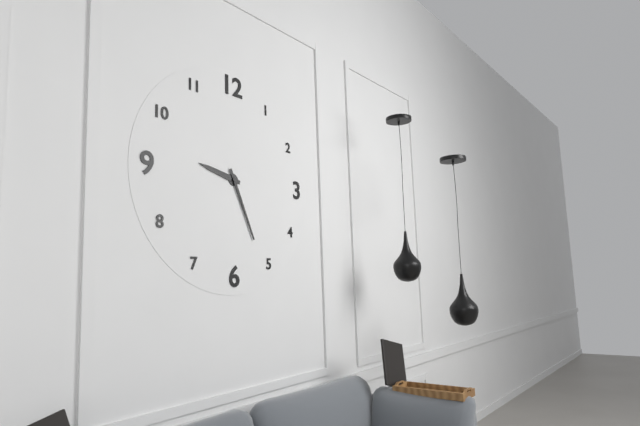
9:26
